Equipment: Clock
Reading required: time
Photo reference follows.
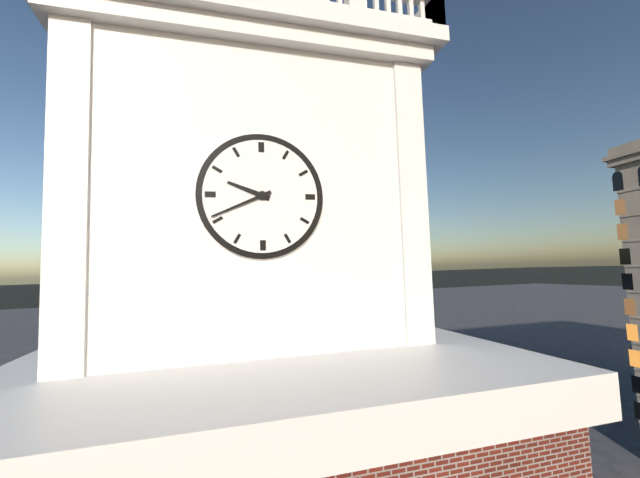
9:41
